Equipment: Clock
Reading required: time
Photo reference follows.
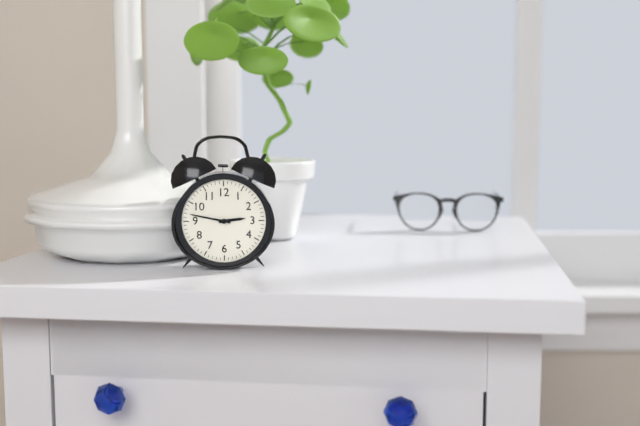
2:47
